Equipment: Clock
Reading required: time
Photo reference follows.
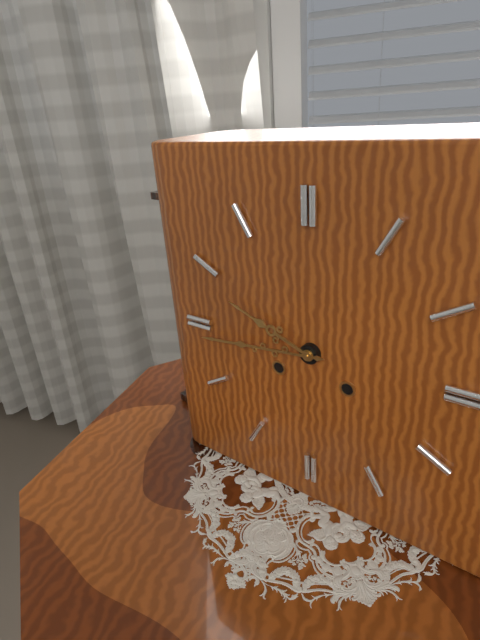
9:44
